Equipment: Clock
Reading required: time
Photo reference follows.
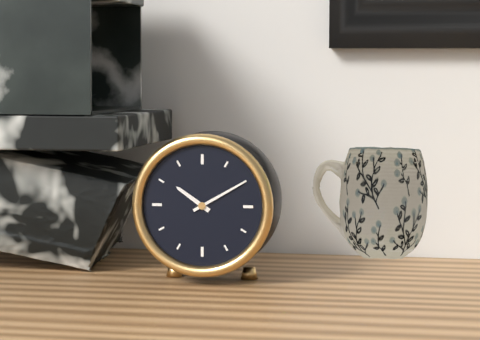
10:10
